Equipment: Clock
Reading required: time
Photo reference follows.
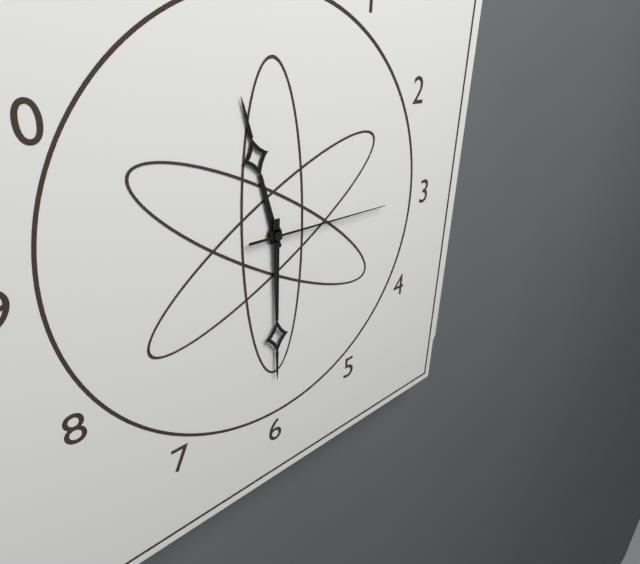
11:30:15
